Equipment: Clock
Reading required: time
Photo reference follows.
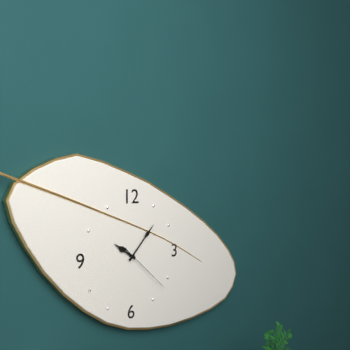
10:07:22
